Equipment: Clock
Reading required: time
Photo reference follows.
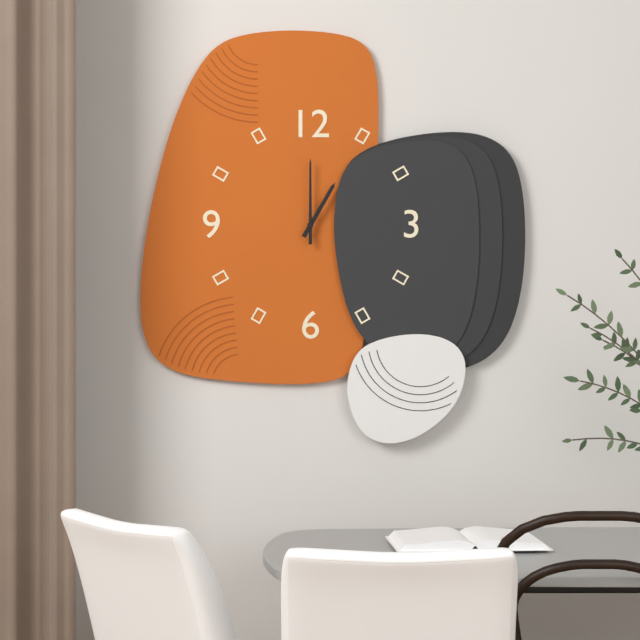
1:00
